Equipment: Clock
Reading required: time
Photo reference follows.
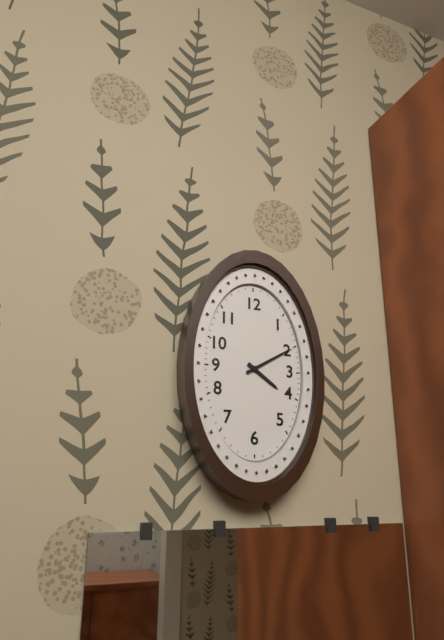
4:10
